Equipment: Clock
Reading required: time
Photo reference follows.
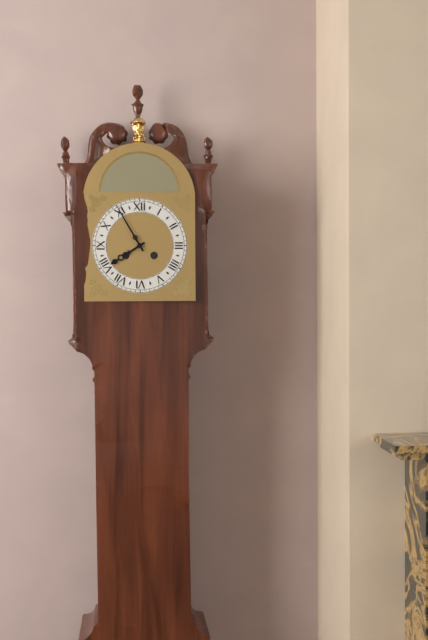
7:55
